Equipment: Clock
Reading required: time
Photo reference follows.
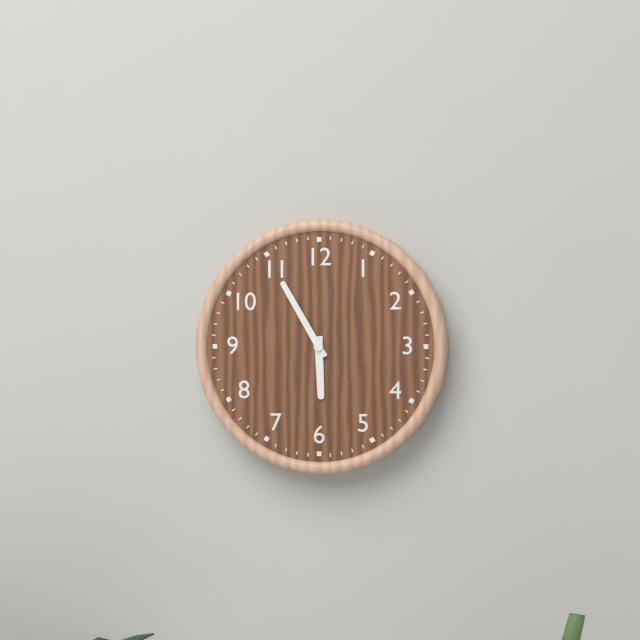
5:55
